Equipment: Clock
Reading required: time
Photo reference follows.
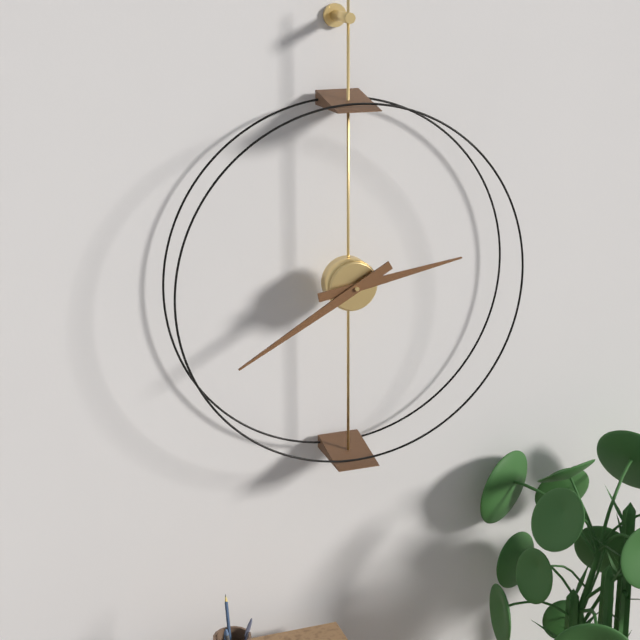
2:40
